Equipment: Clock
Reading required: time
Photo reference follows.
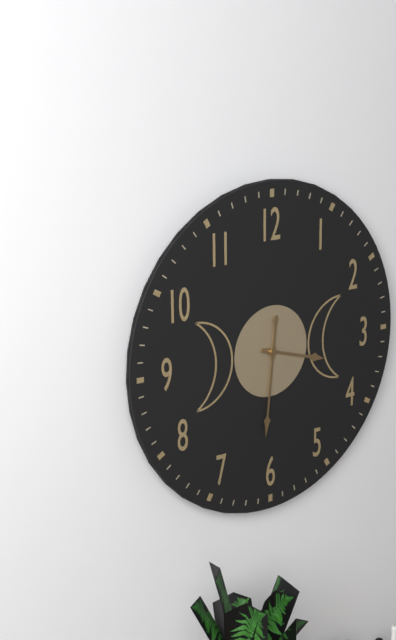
3:31
